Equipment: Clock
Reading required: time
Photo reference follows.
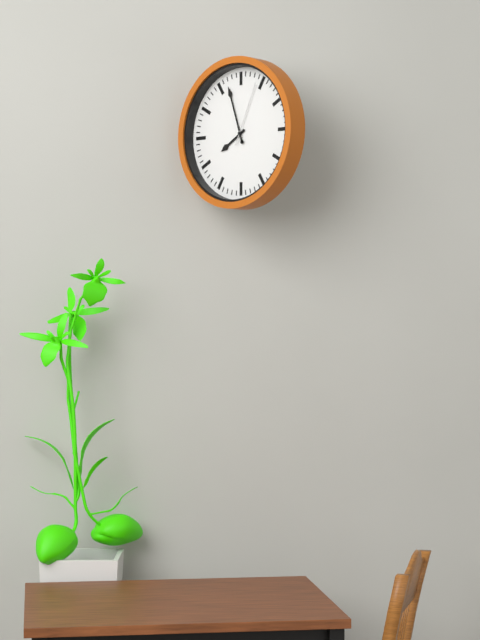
7:57:04
